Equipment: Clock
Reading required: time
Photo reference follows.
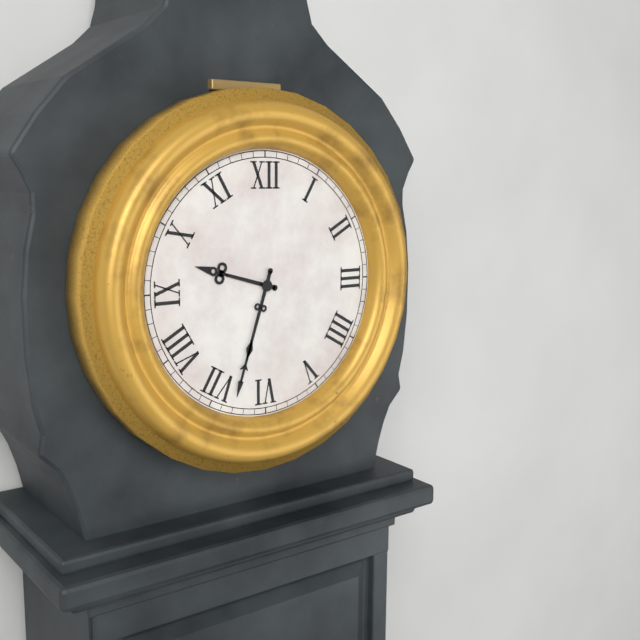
9:33
